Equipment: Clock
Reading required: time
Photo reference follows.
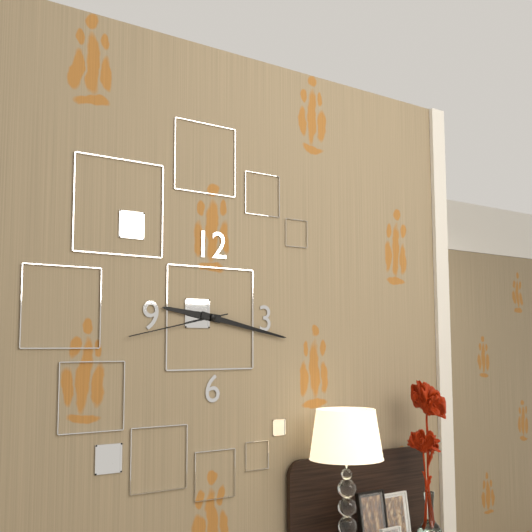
9:17:43
